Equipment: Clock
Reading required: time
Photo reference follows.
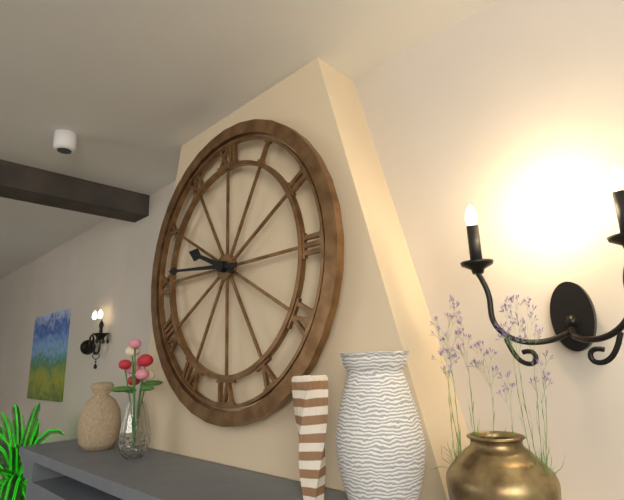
9:46
